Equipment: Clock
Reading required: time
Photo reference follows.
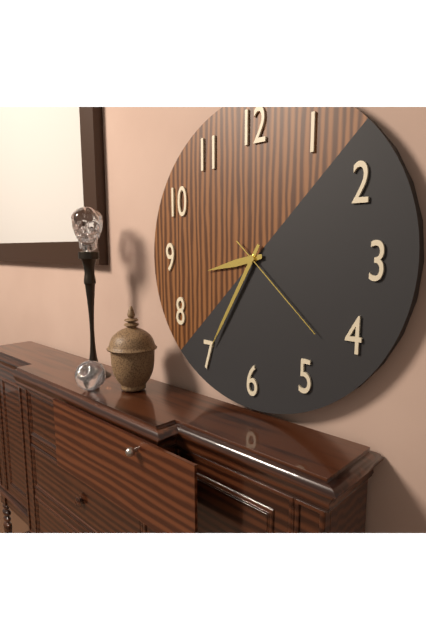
8:35:22
